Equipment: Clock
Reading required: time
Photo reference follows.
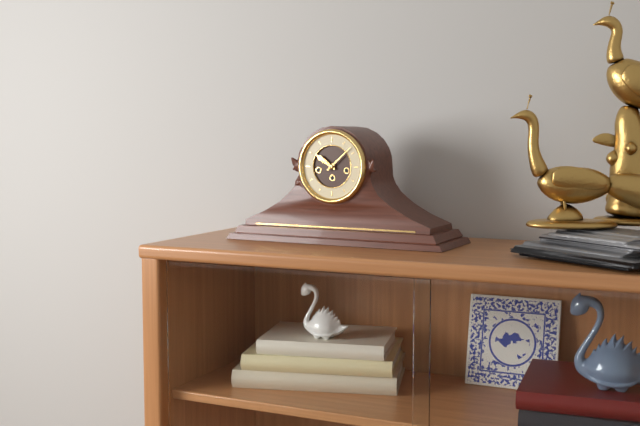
10:08
